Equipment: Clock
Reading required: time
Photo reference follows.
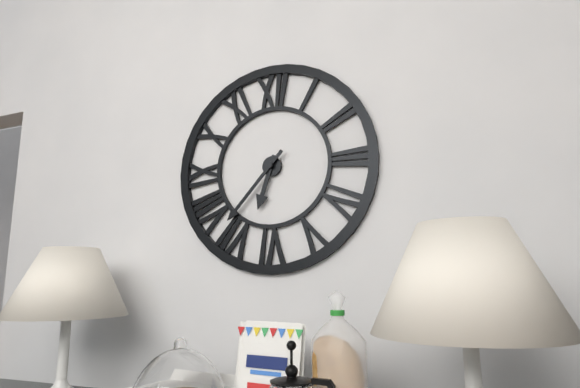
6:37
